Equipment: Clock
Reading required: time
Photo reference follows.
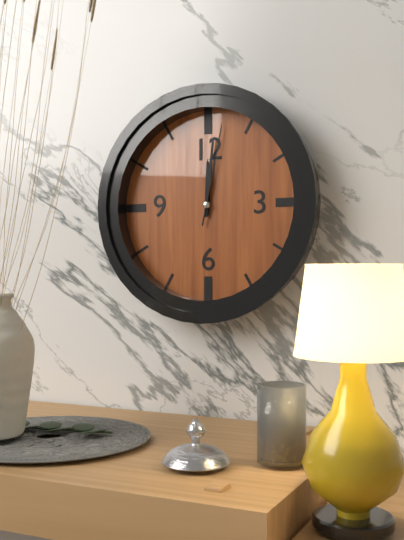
12:01:02
